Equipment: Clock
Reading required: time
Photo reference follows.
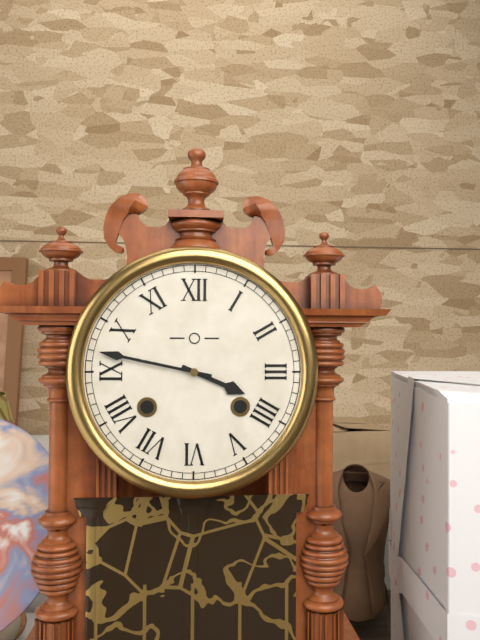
3:47
